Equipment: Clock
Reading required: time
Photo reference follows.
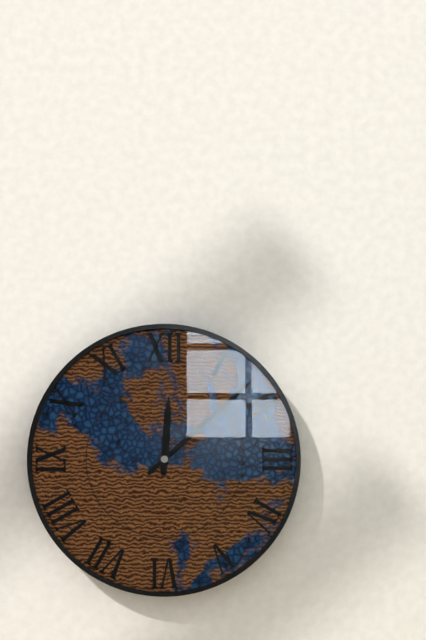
12:08
